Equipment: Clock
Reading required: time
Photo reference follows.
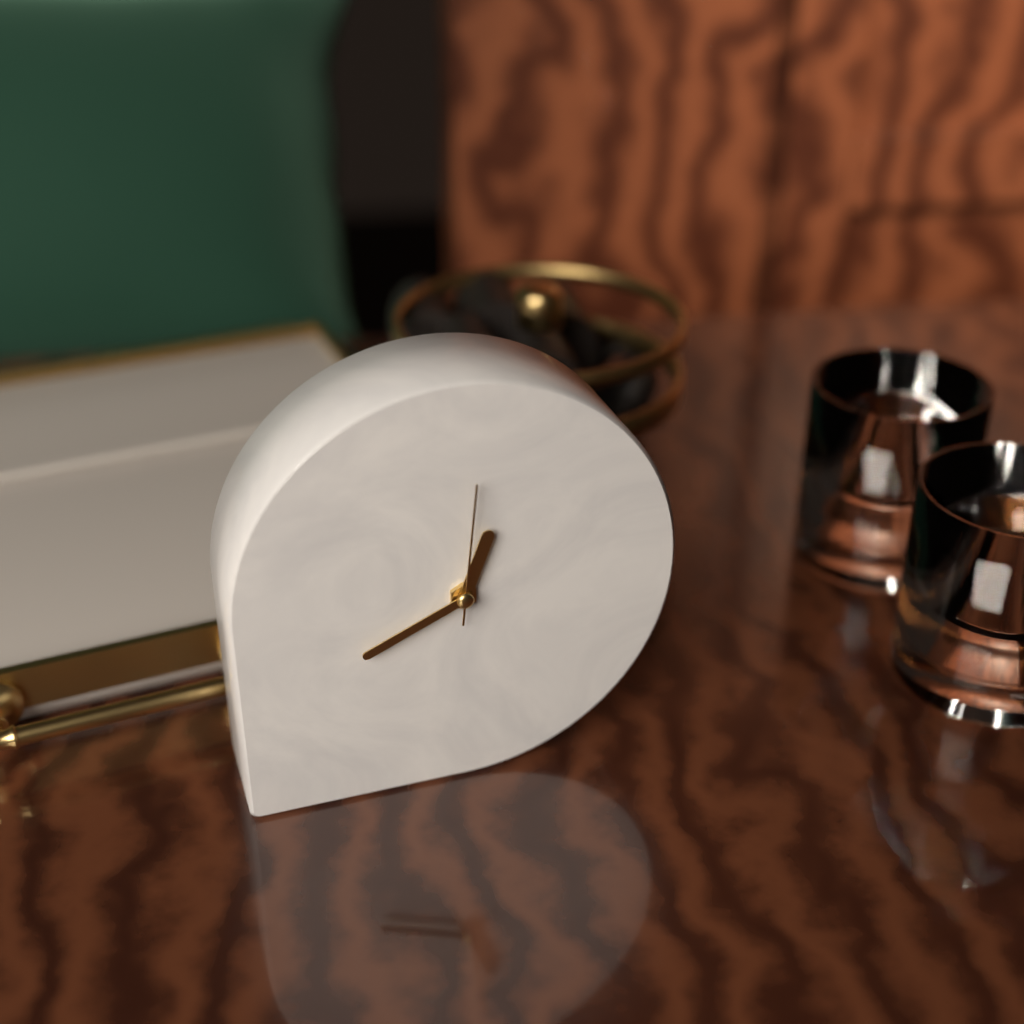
12:41:01
